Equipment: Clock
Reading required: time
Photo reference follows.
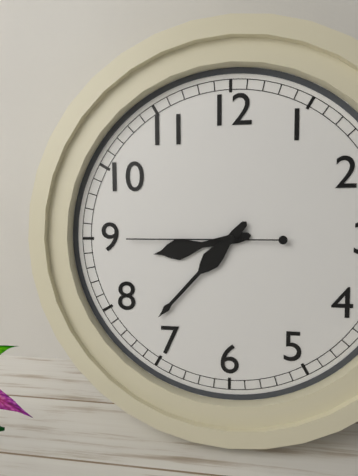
8:37:45
